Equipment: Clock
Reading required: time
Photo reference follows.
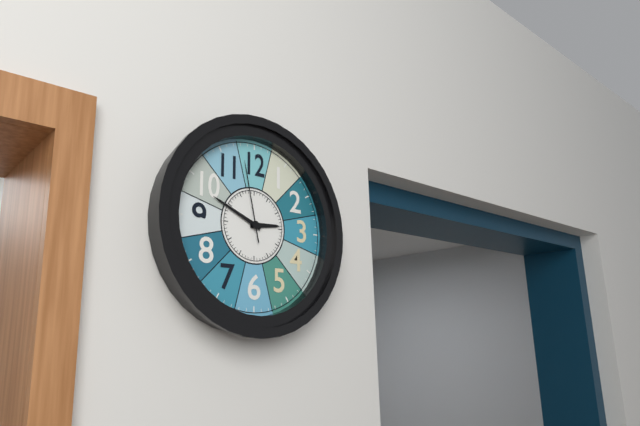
2:49:58
